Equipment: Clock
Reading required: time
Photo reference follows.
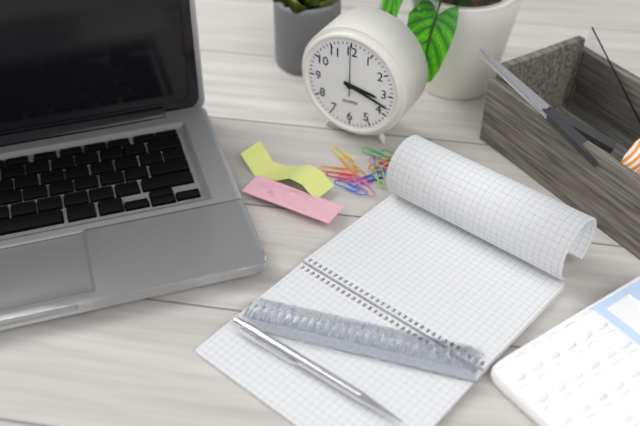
3:18:00
